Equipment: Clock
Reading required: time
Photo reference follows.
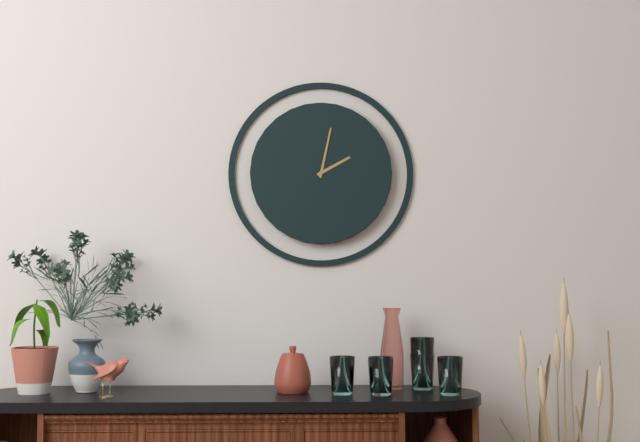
2:02
